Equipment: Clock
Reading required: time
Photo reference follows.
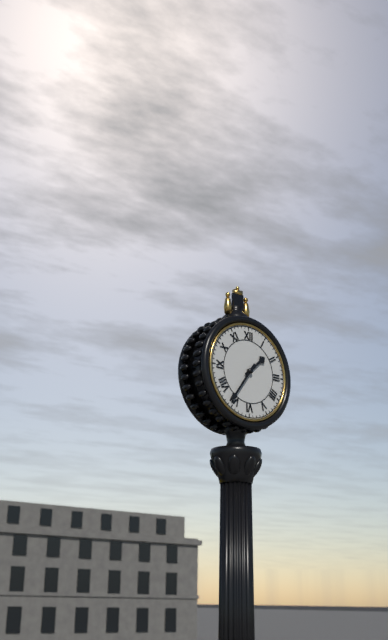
1:36
